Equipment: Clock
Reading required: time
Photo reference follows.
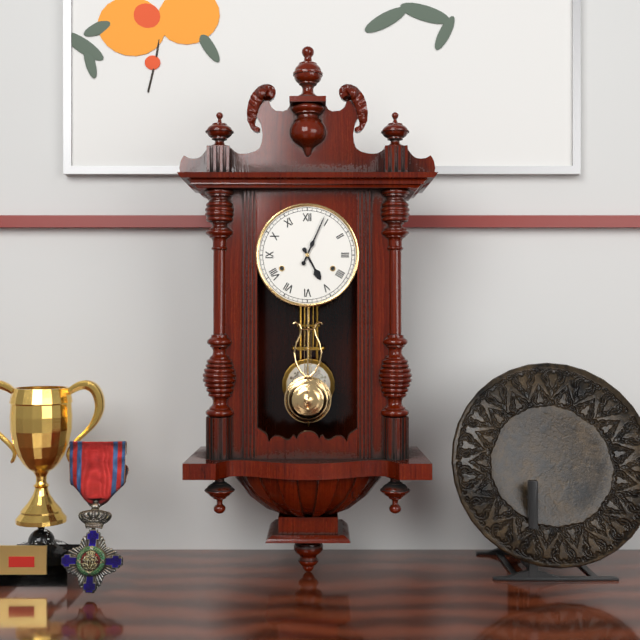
5:04
